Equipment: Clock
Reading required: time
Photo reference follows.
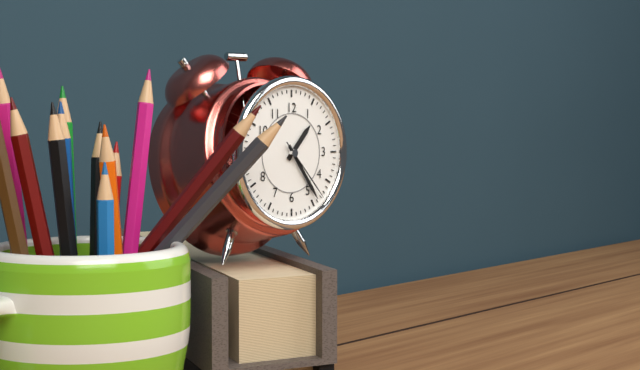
1:24:23
